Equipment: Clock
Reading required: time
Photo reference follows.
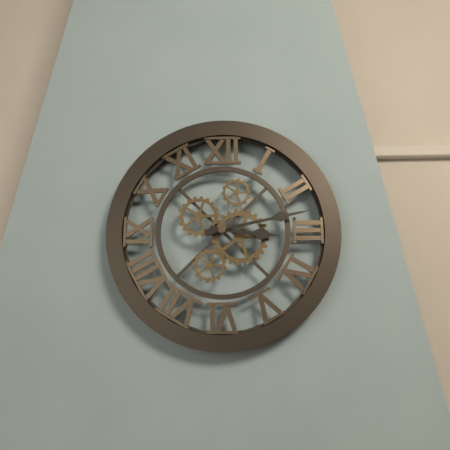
3:13
